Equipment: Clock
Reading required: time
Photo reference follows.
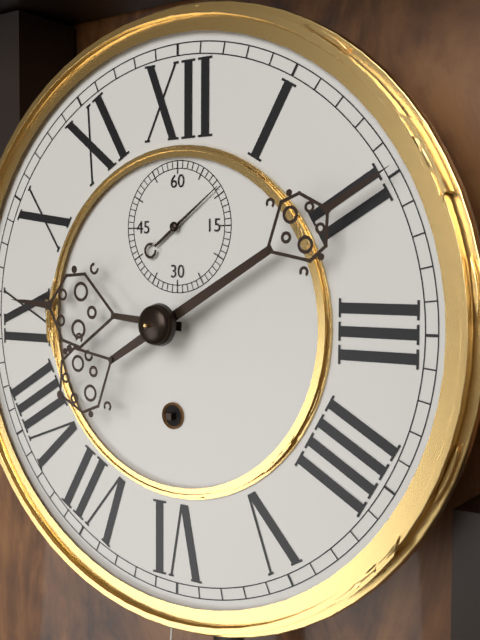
9:10:09
